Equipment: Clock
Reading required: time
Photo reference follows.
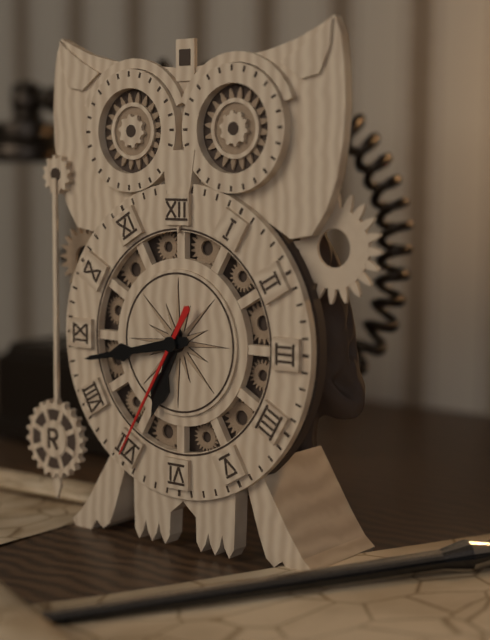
6:43:35
